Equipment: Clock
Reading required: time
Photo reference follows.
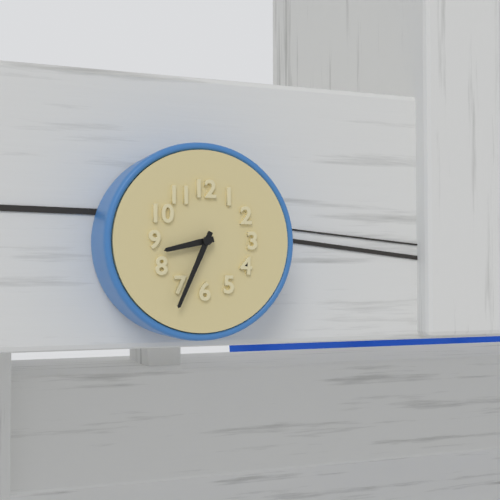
8:34
